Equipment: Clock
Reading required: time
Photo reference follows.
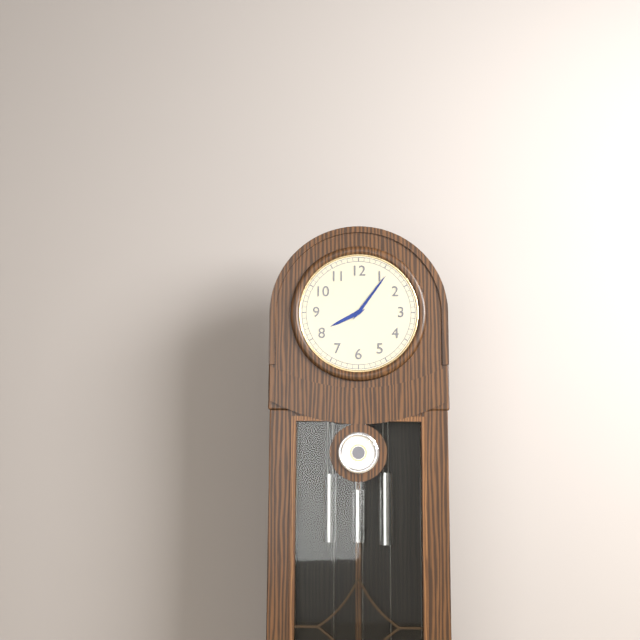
8:06
